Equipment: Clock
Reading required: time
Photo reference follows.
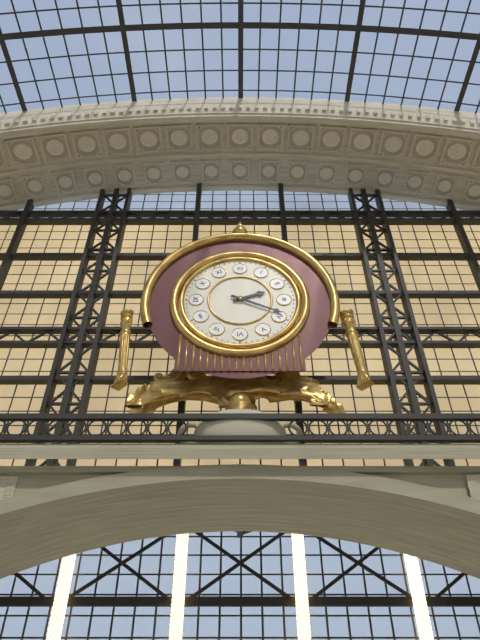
2:19
